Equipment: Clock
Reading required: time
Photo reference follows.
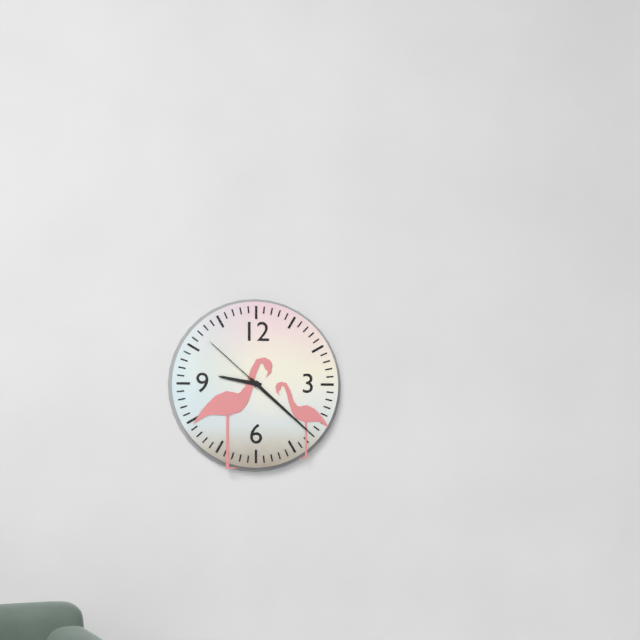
9:22:52
